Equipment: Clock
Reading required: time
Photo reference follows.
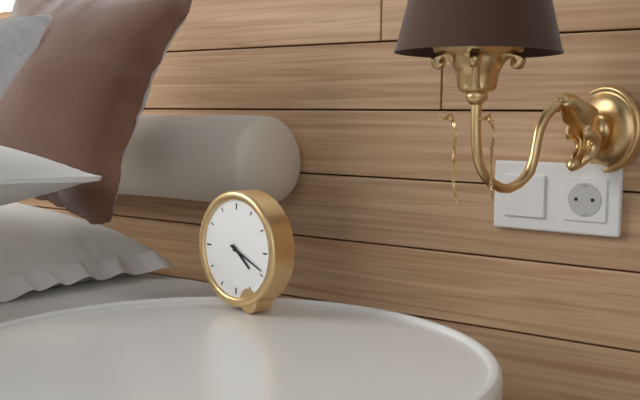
4:19
